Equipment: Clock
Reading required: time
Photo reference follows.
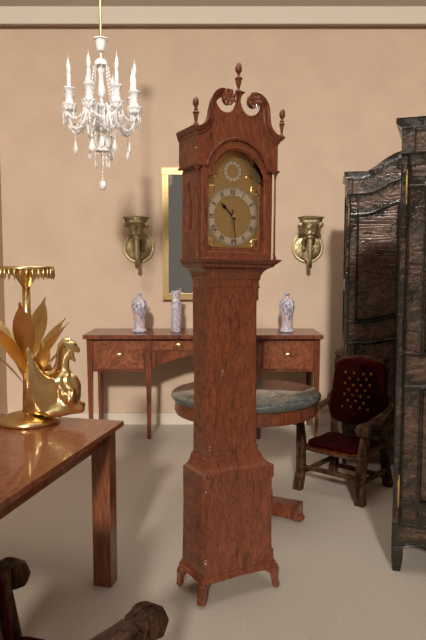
10:29
